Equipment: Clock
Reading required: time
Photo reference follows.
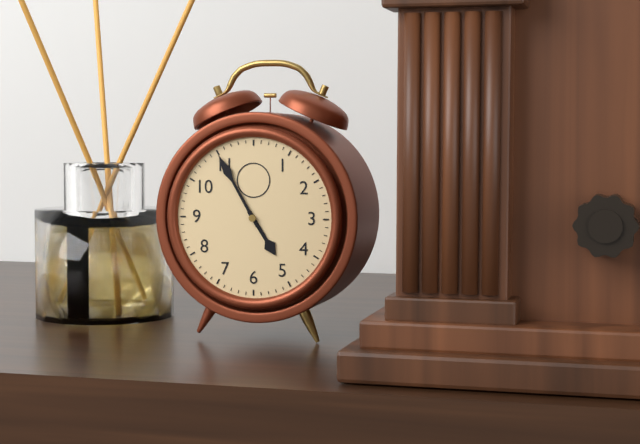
4:55
